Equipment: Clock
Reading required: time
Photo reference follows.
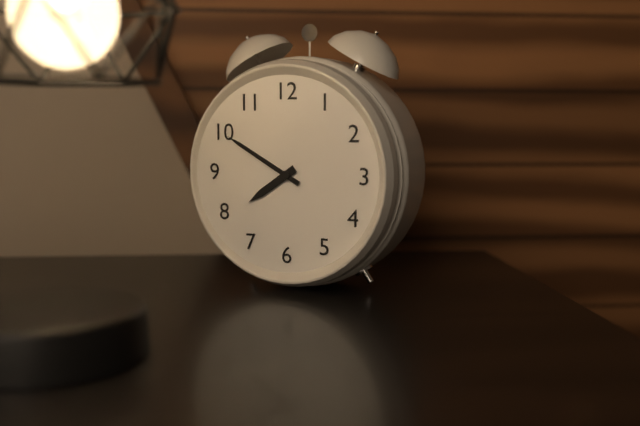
7:50
